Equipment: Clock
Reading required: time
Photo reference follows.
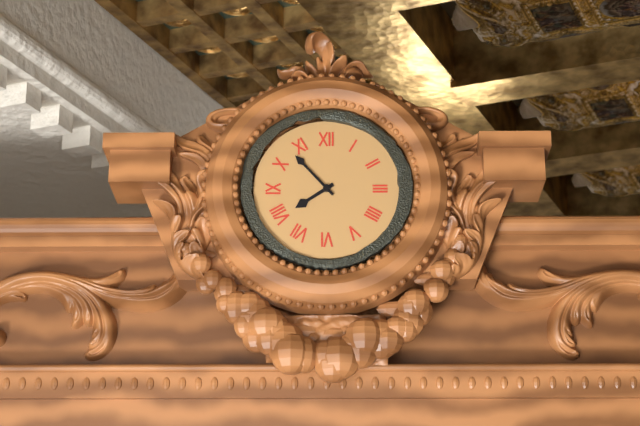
7:53
